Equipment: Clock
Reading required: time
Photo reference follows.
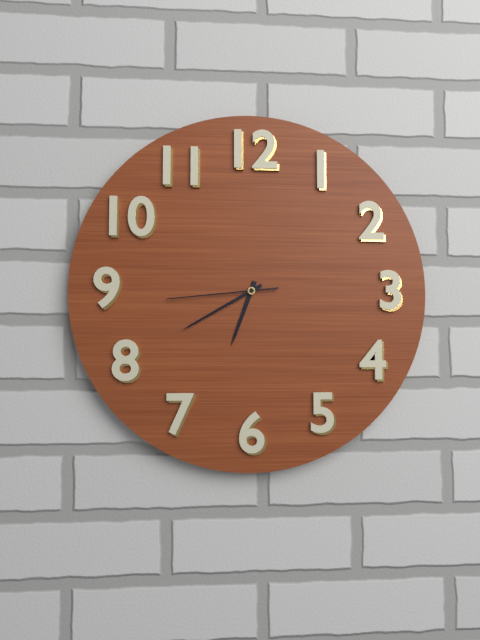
6:40:44
